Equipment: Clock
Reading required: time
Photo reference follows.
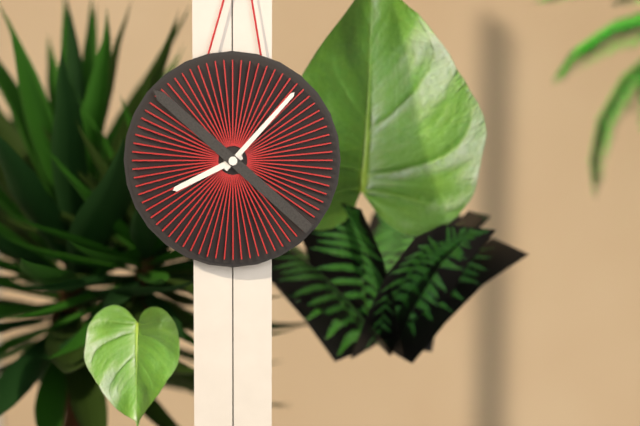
8:07:52
